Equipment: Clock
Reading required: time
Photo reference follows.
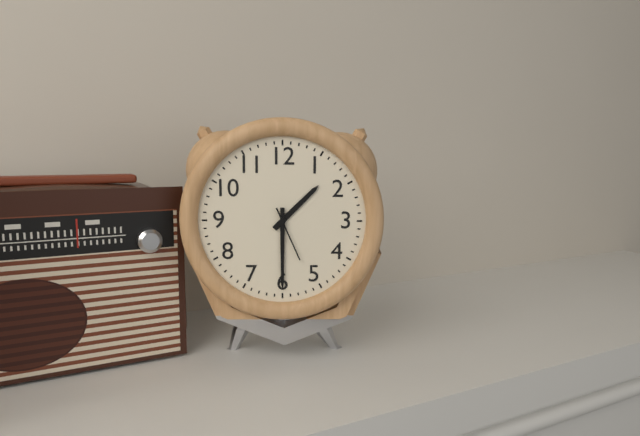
1:30:26
